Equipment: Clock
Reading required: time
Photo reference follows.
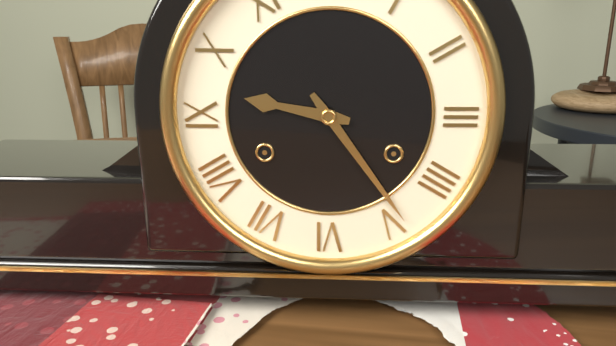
9:24
